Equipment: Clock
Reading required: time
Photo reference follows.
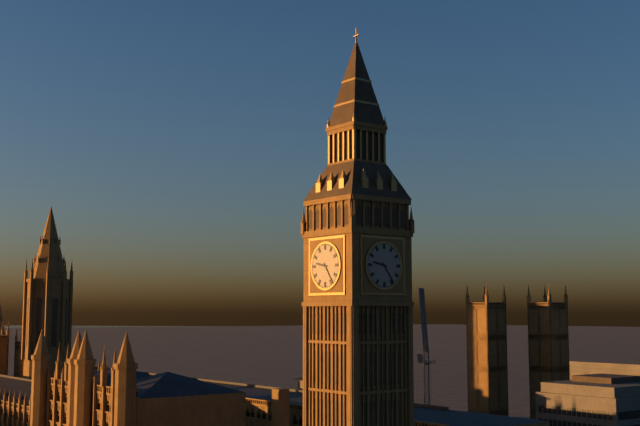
9:24
